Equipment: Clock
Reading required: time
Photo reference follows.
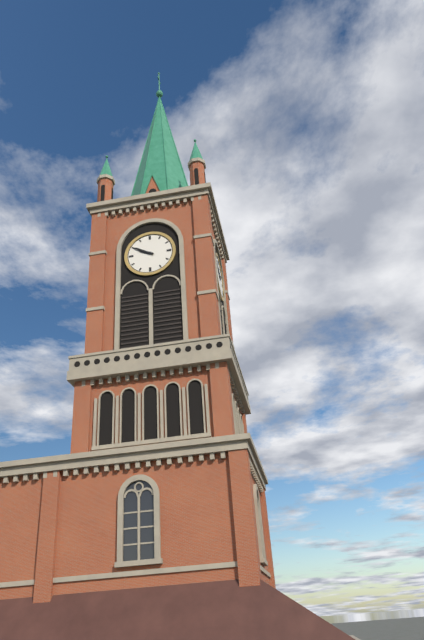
9:50
